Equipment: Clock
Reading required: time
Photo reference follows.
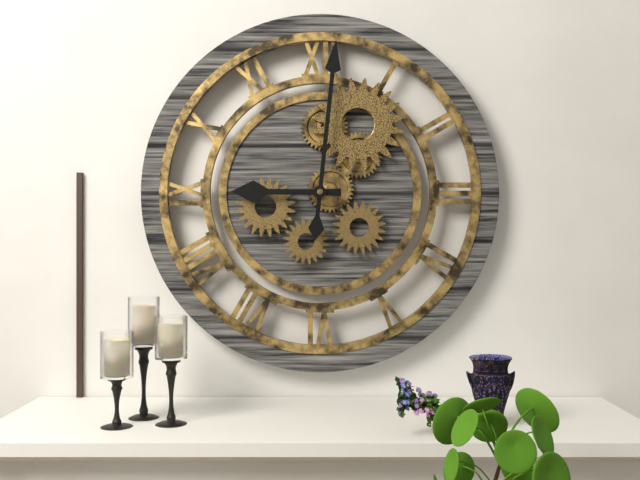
9:01
